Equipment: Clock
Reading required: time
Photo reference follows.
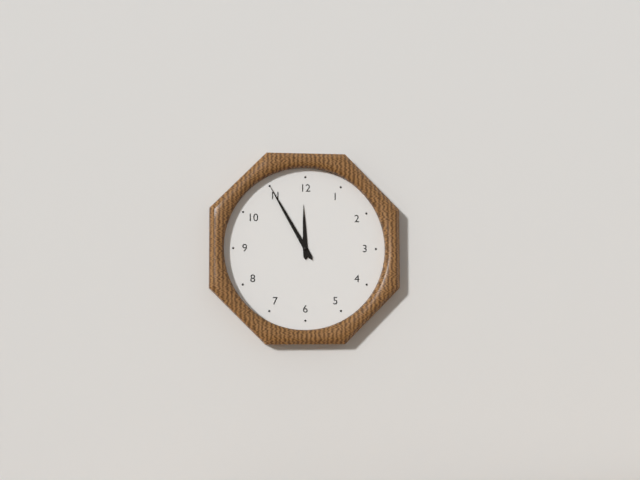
11:55
